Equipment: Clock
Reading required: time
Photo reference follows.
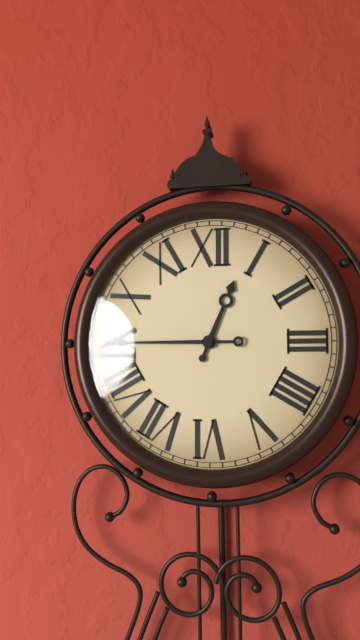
12:45
